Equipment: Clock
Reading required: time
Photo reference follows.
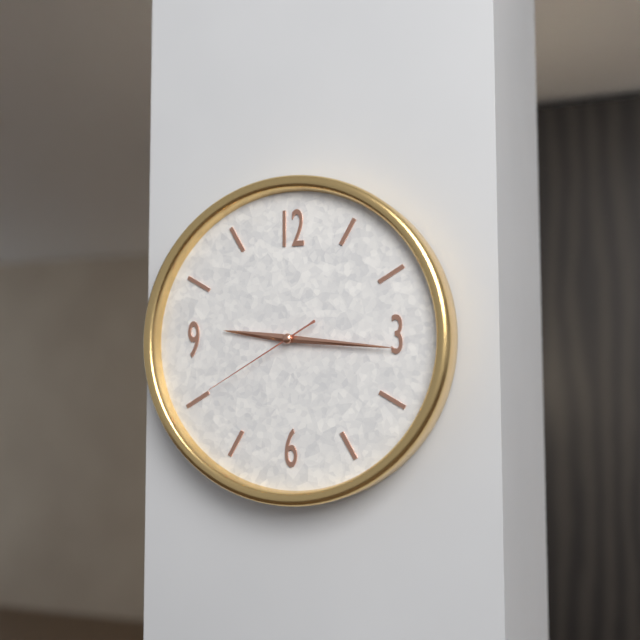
9:16:40
